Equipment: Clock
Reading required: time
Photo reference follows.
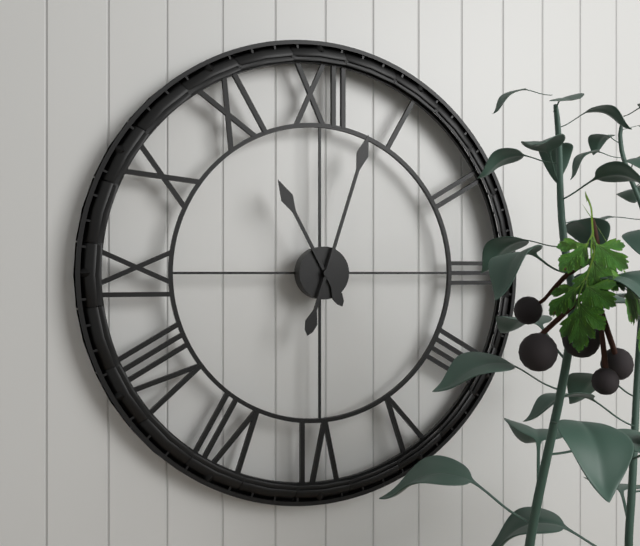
11:03
